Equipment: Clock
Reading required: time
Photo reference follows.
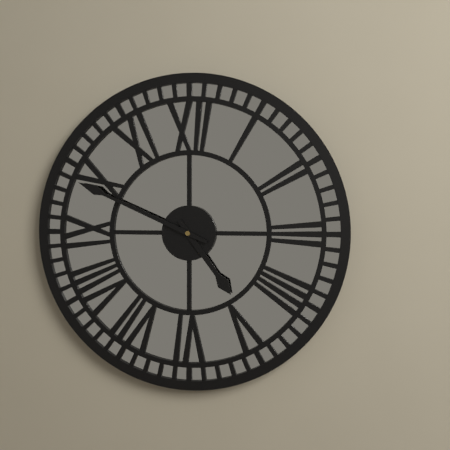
4:49
